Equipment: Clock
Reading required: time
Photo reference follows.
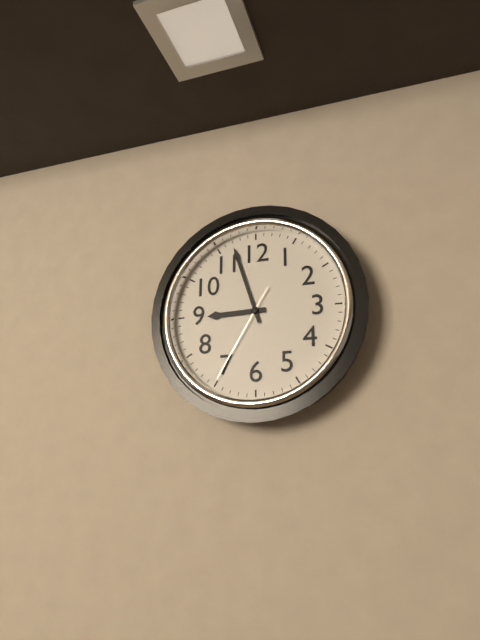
8:57:35
